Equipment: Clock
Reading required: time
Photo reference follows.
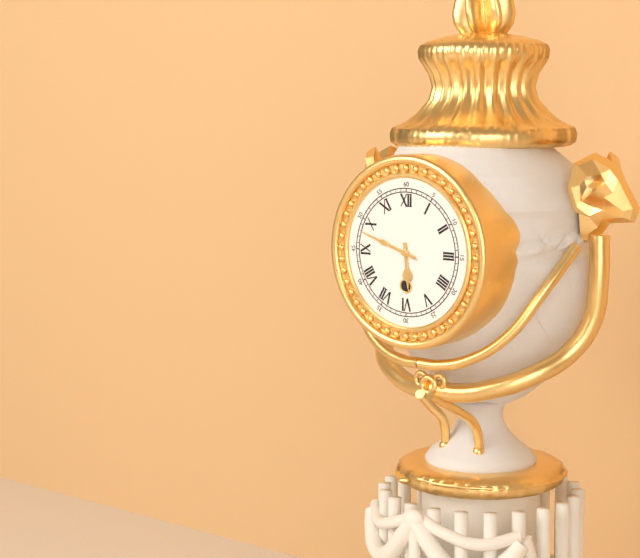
5:48
